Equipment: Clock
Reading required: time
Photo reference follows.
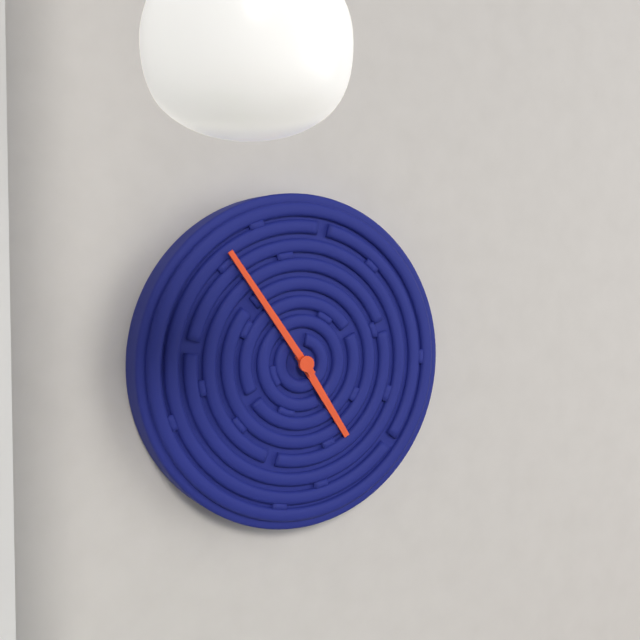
4:54
